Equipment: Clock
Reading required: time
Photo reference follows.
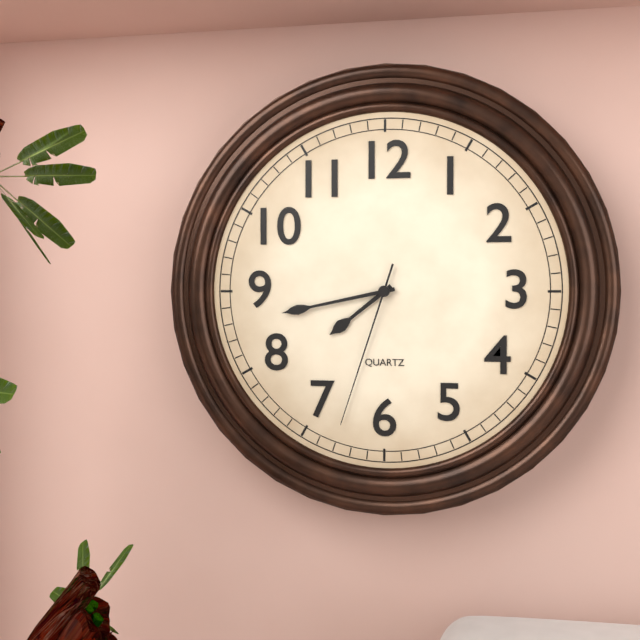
7:43:33
